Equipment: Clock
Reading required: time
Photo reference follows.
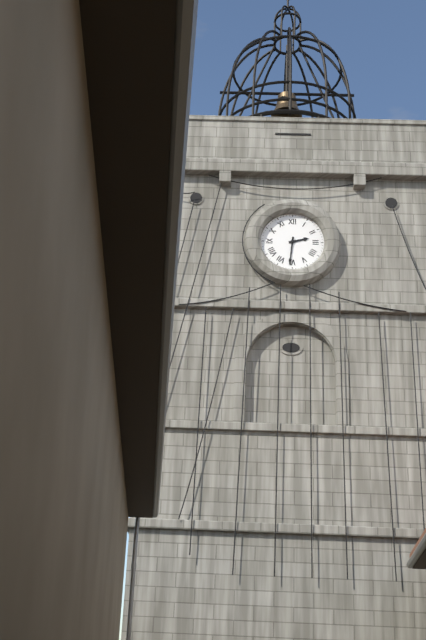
2:31
